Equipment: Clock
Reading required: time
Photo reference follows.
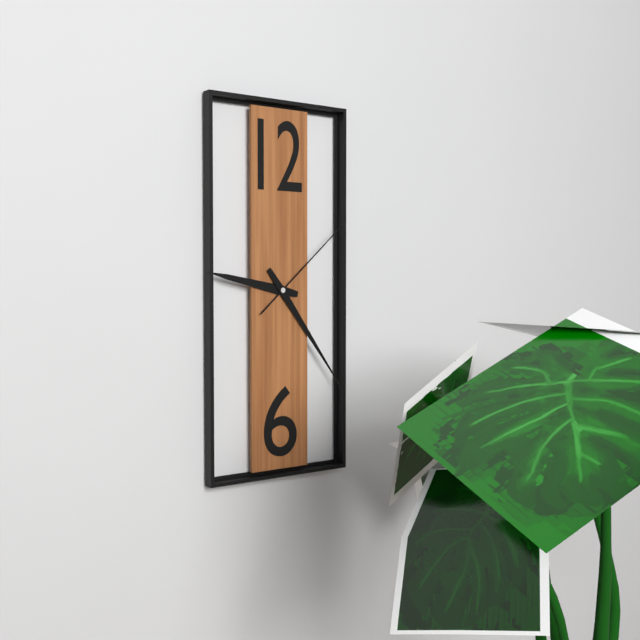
9:24:08
